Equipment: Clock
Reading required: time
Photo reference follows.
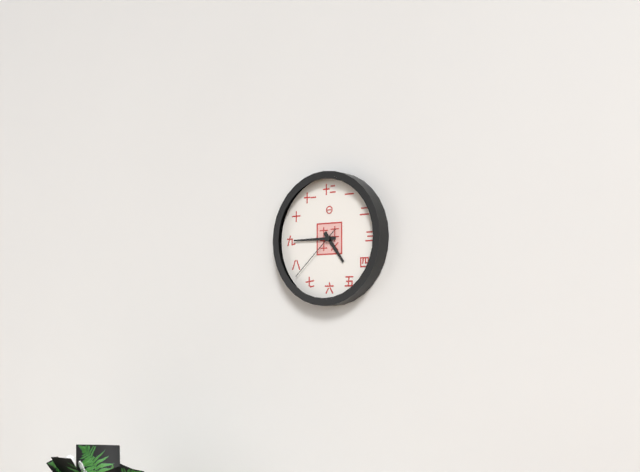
4:45:38
